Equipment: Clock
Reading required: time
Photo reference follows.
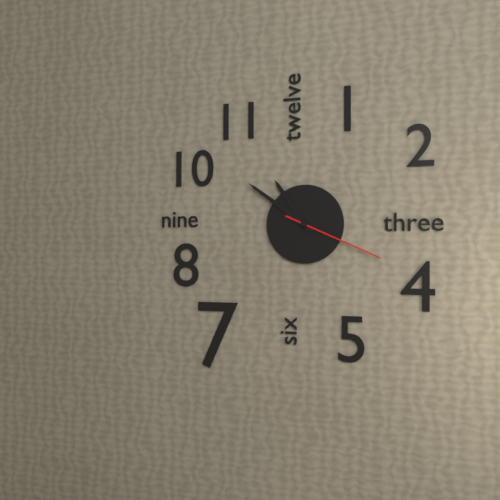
10:51:19
